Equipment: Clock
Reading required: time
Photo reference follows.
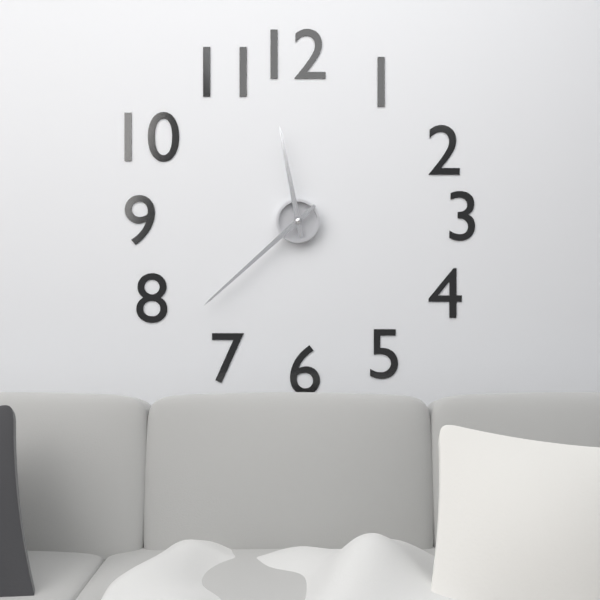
11:38
